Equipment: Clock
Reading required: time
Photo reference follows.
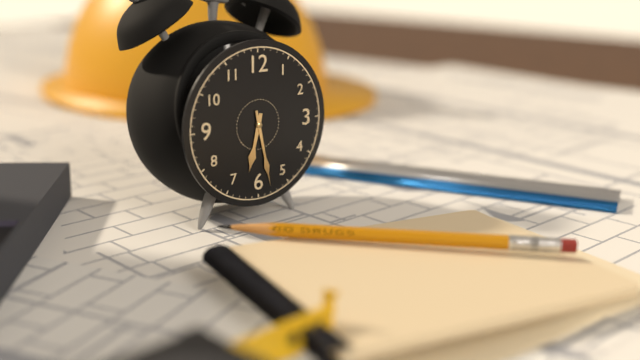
6:28
